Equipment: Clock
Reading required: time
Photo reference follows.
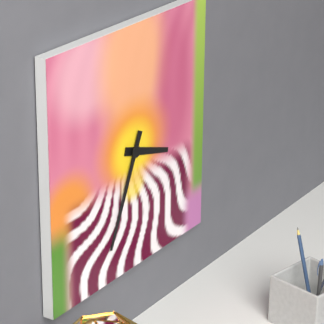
3:34
